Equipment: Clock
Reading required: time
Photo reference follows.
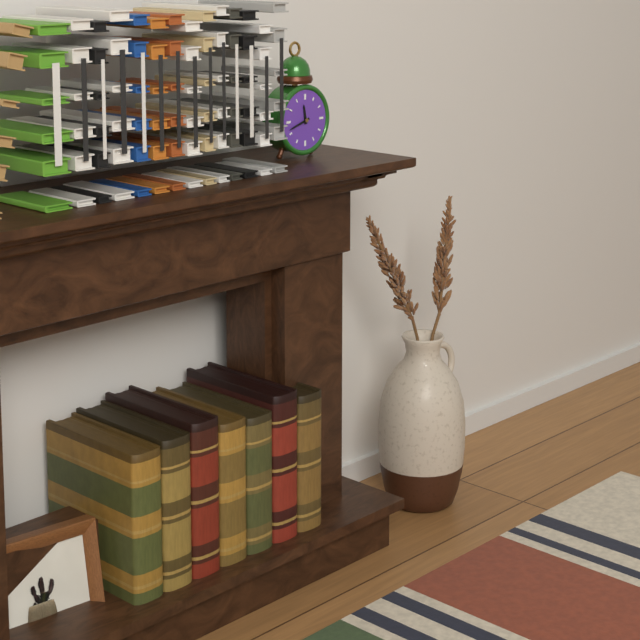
11:42
